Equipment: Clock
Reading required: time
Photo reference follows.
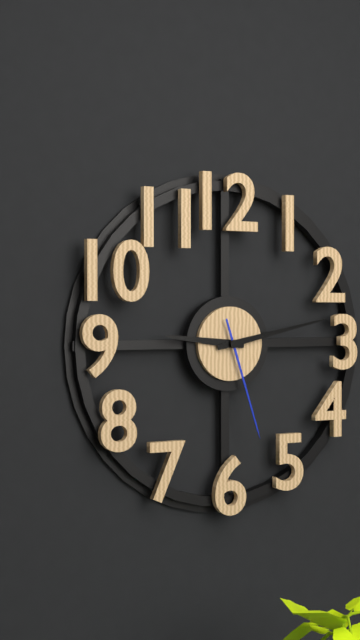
9:13:27
